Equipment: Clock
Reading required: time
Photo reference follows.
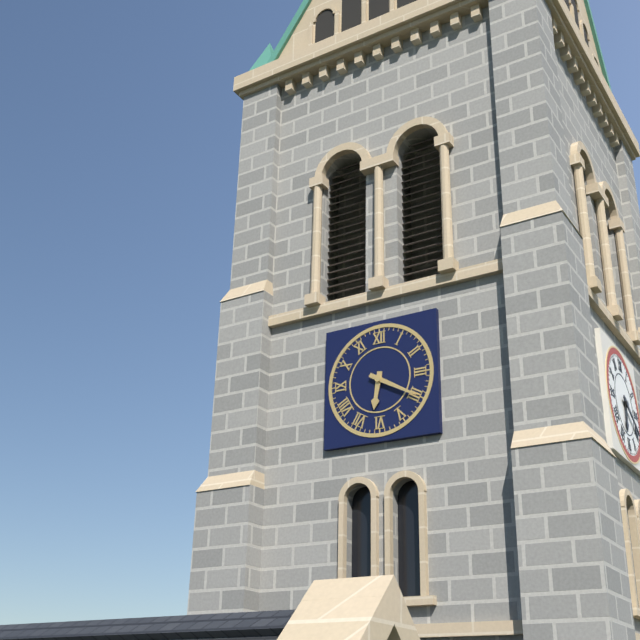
6:20
